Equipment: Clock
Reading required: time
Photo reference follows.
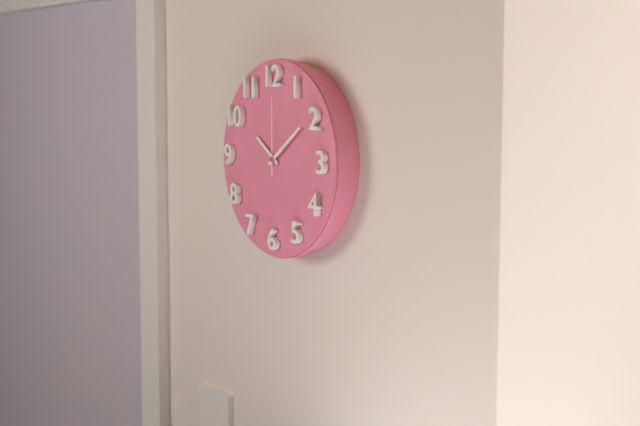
10:09:00
